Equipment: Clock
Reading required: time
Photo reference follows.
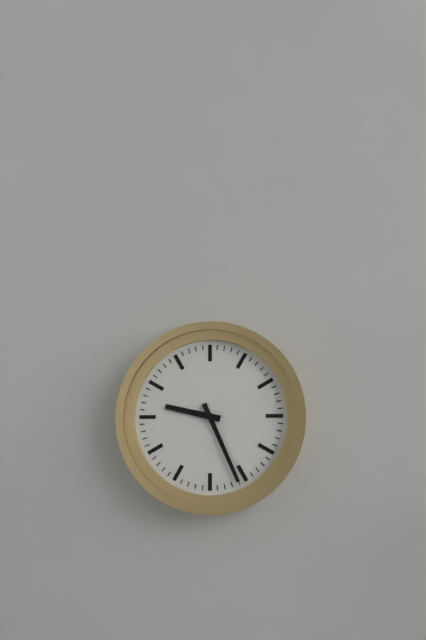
9:26
